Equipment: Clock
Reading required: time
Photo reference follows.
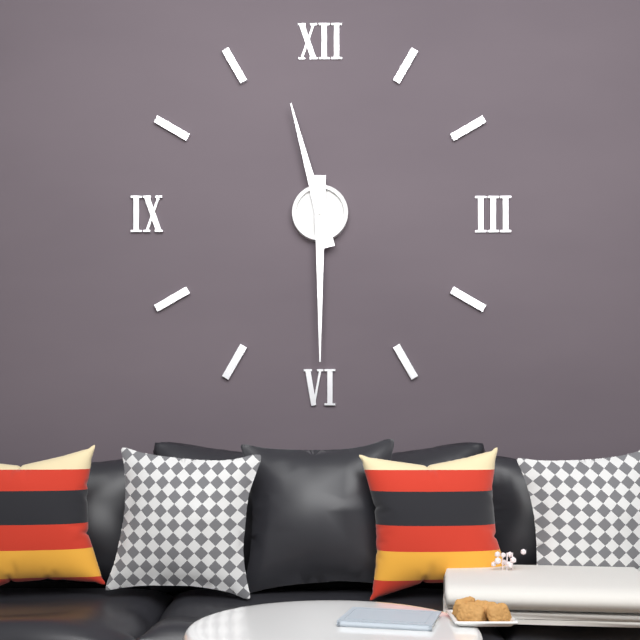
11:30
